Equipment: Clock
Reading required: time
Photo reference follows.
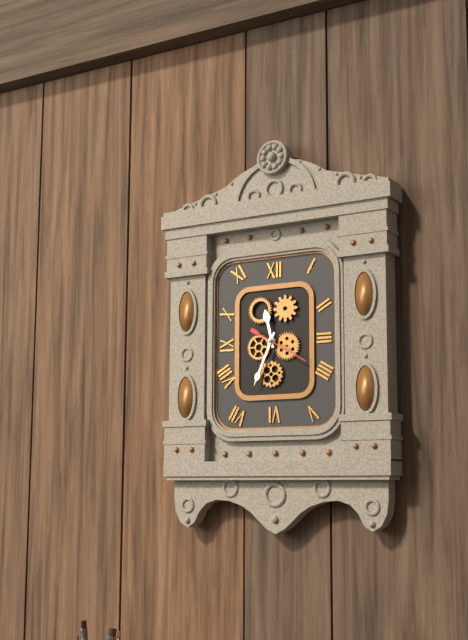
11:34:20
